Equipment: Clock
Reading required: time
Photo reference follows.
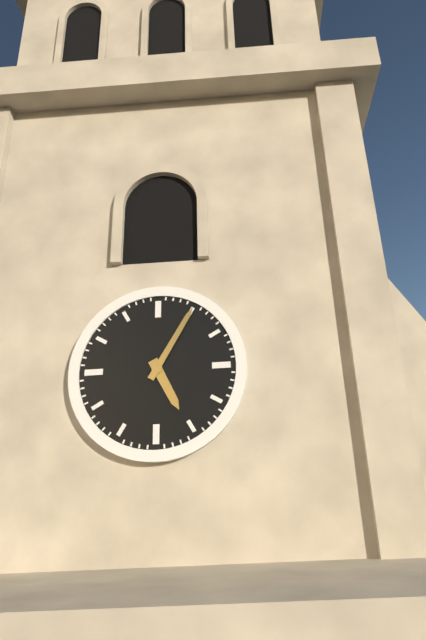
5:05
